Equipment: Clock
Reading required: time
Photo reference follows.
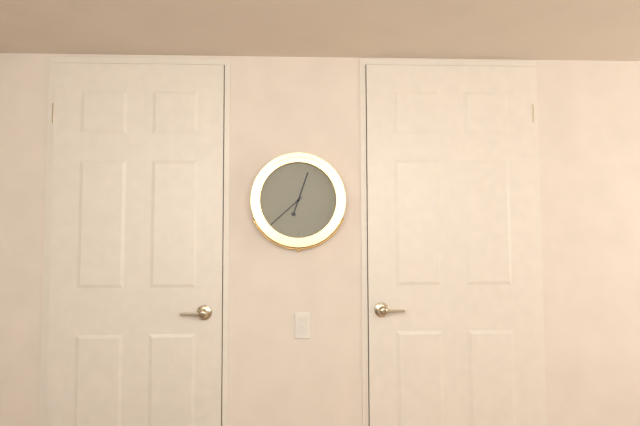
12:38
